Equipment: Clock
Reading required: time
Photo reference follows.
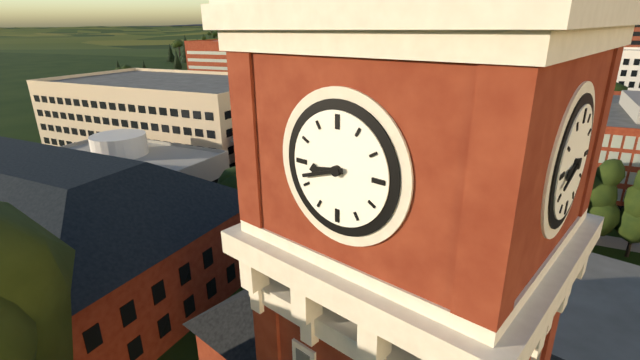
8:42
